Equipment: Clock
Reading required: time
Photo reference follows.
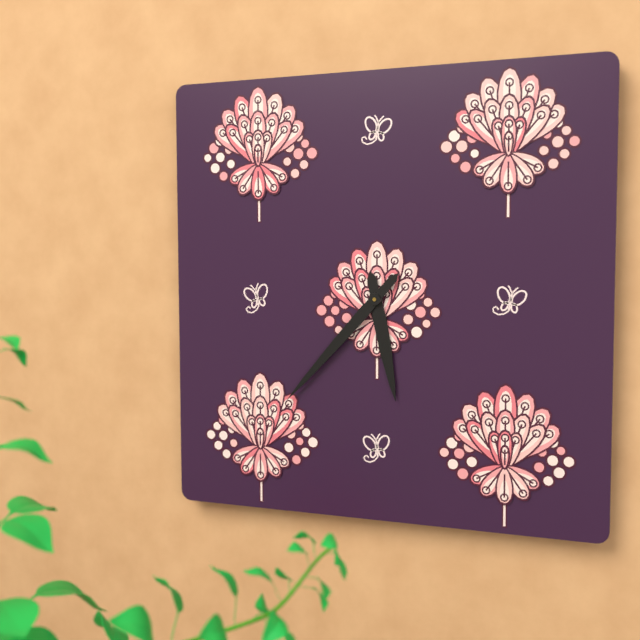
5:37
